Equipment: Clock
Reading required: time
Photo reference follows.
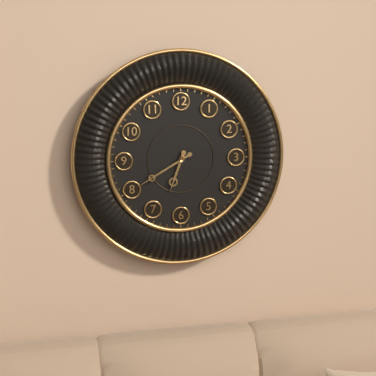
6:40
